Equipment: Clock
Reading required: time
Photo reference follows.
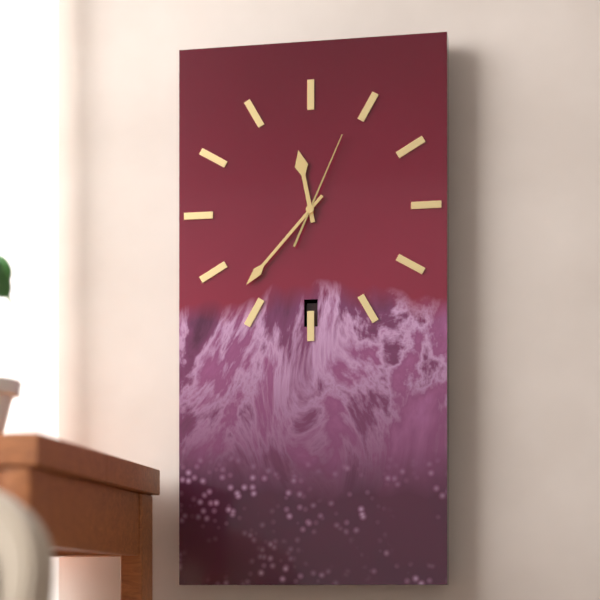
11:37:04
